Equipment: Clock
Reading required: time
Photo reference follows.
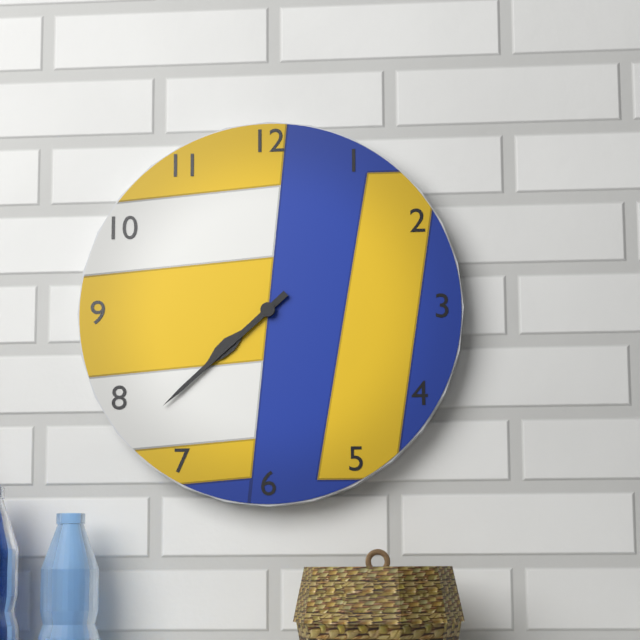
7:38
